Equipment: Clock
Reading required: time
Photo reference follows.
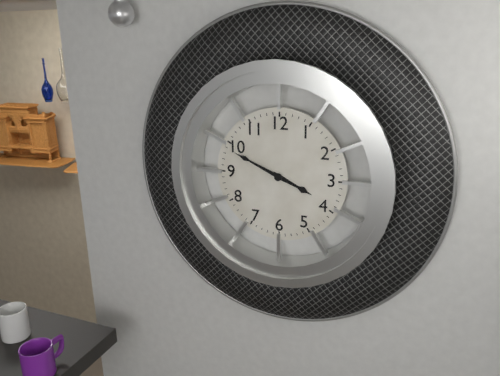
3:49
